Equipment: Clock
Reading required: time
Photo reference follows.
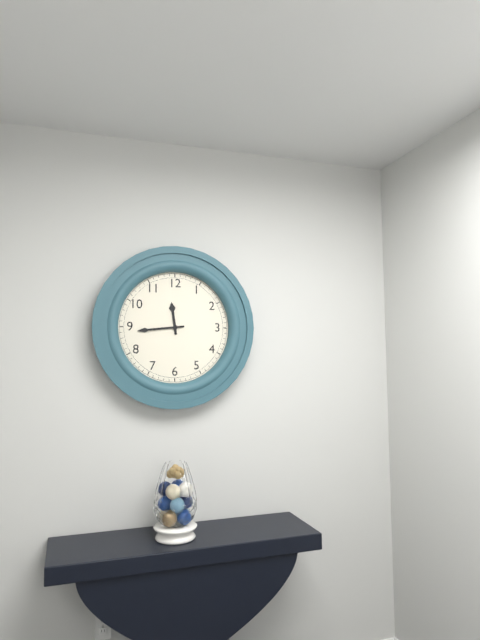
11:44
